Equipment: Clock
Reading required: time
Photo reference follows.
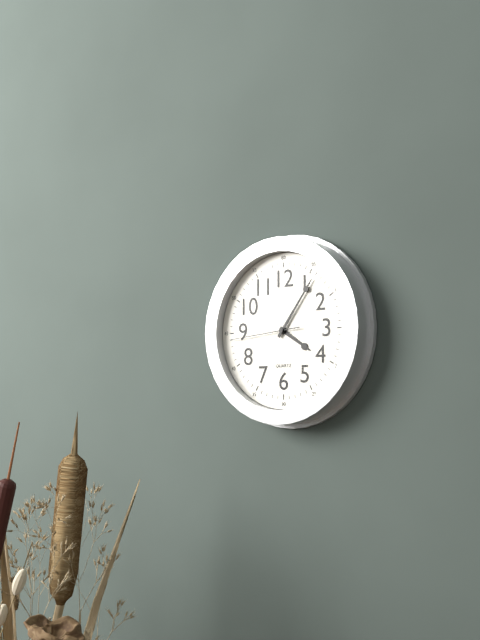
4:06:44
